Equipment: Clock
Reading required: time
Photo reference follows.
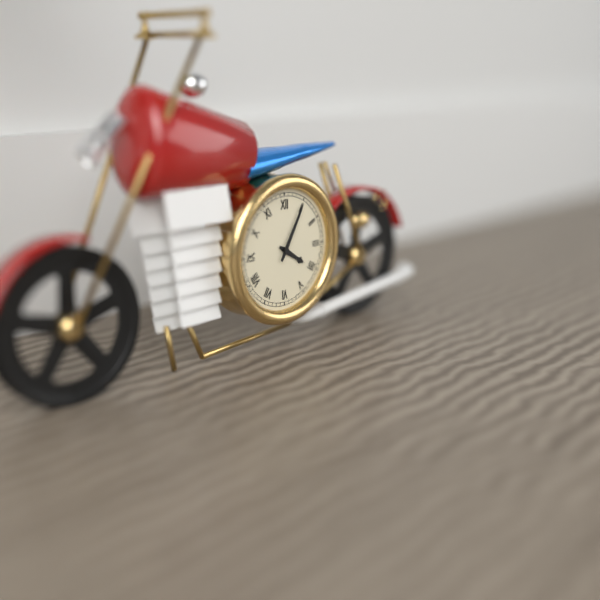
4:05
